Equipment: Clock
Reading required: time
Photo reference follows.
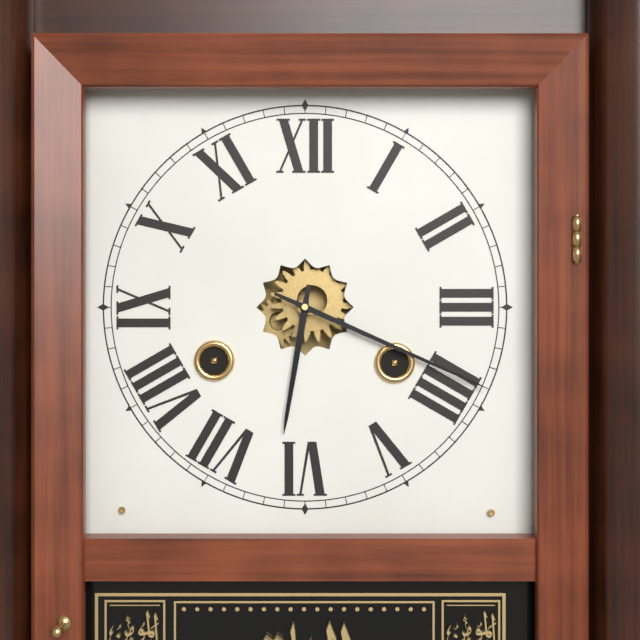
6:19
